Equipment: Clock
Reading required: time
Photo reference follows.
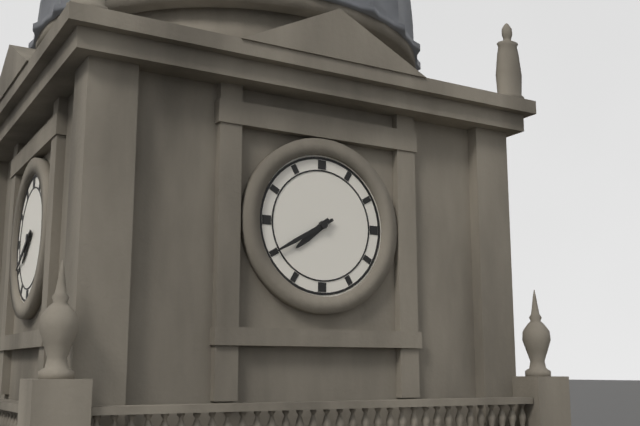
7:40
